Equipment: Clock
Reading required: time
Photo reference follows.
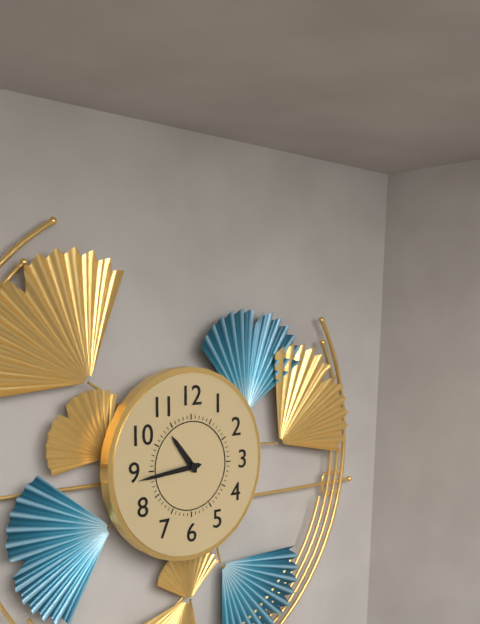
10:44
